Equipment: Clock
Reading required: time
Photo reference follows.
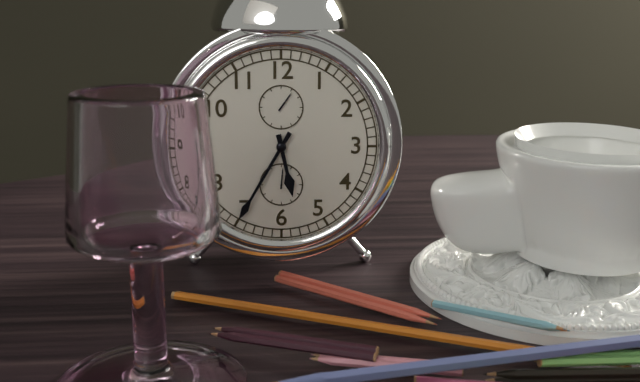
5:35
